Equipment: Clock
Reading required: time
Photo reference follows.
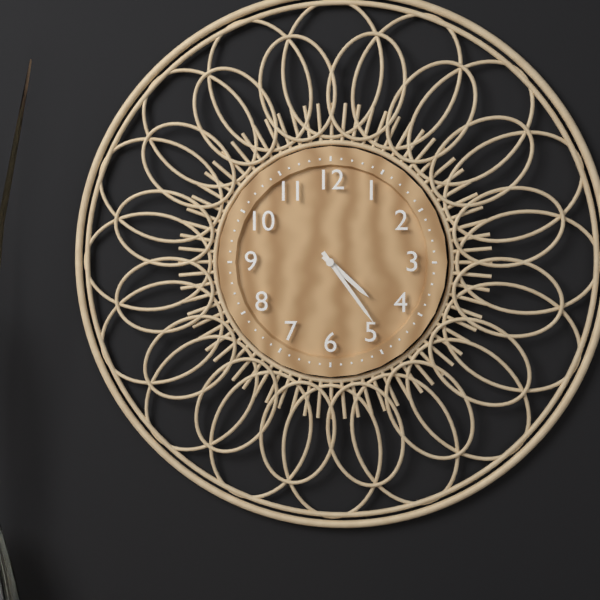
4:24
